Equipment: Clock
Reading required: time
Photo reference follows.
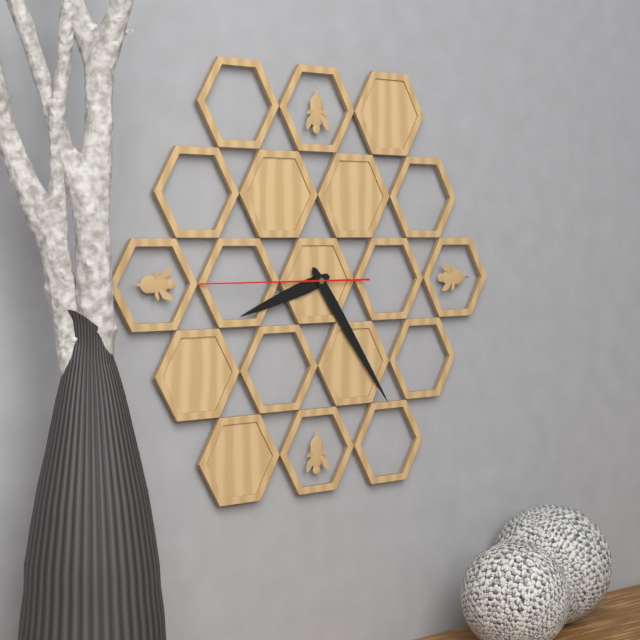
8:24:45
